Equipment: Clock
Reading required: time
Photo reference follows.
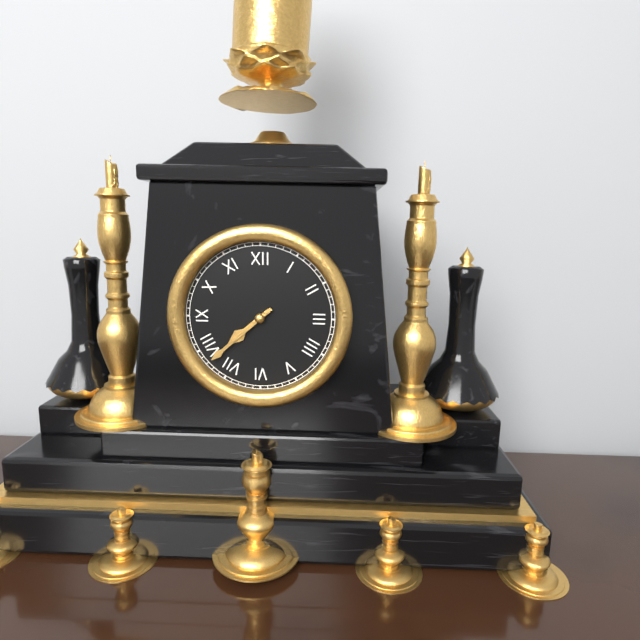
7:38
